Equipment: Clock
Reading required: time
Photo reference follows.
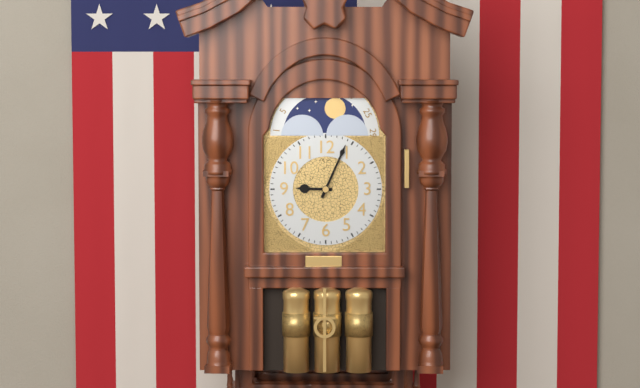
9:04
